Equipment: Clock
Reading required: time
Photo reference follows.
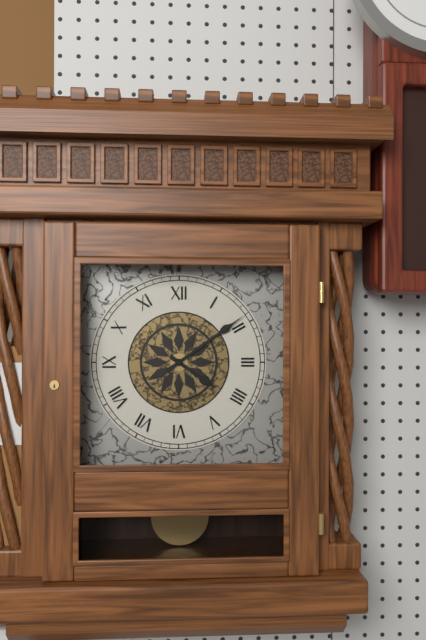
4:09
